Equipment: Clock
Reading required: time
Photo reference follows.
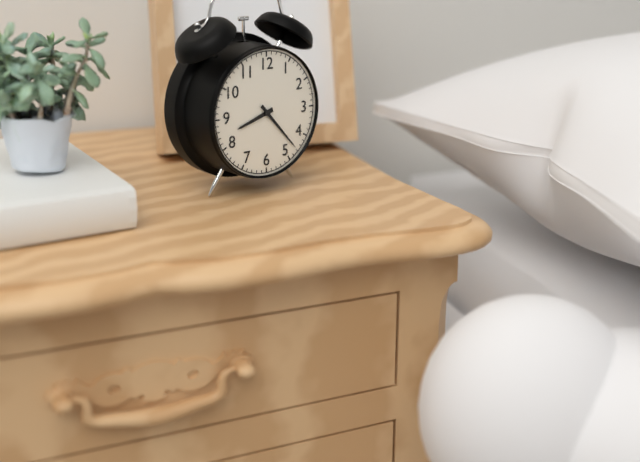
8:23
